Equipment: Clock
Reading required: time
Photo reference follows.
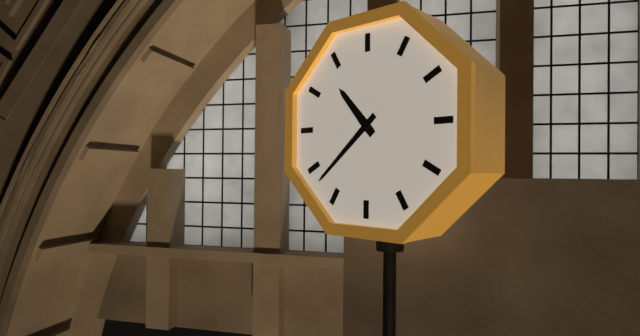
10:38
